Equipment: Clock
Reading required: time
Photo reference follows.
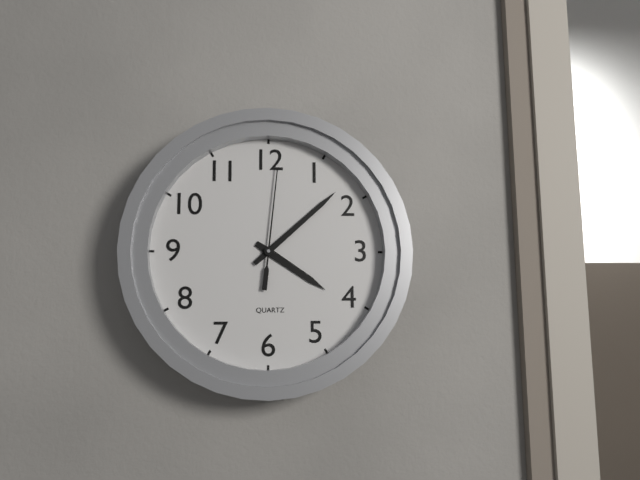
4:08:01
